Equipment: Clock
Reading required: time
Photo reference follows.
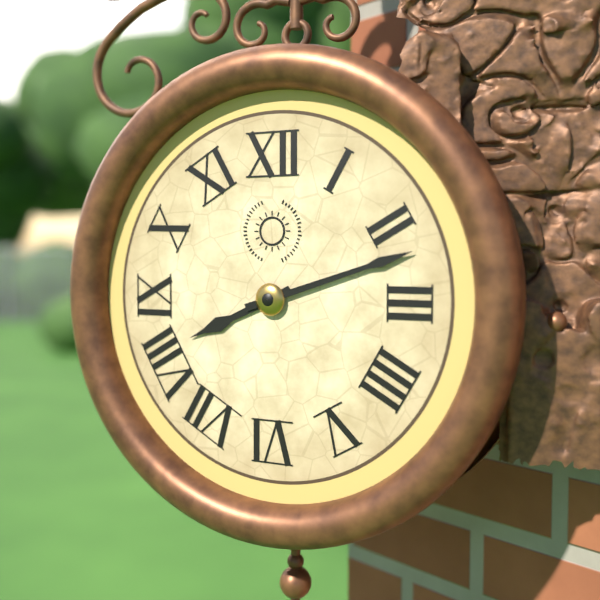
8:12
